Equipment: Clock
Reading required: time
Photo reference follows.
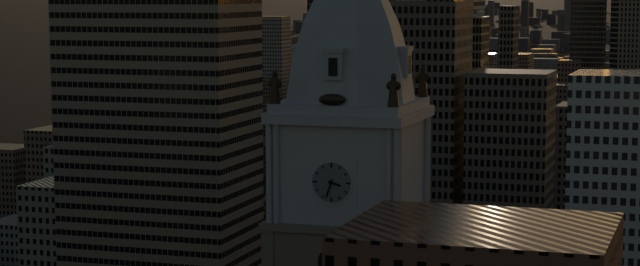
3:33
